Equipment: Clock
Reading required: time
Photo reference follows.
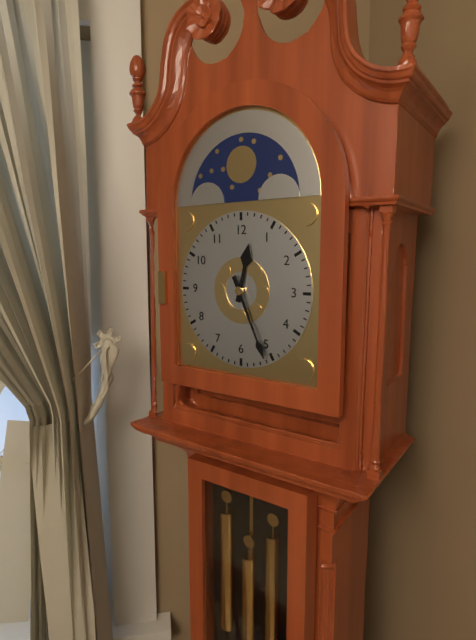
12:26
